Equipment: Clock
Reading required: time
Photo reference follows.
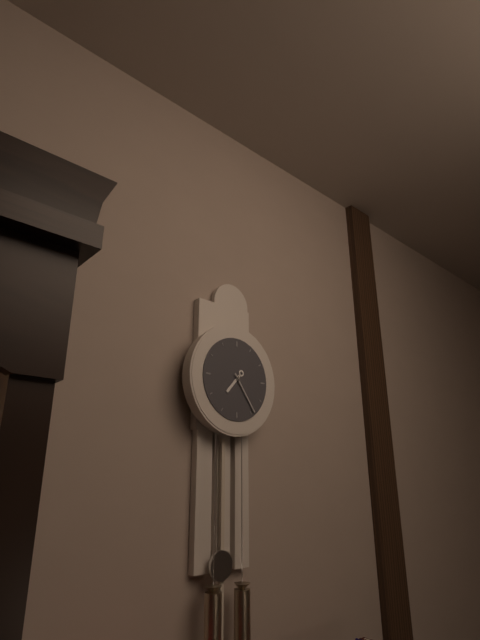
7:24
